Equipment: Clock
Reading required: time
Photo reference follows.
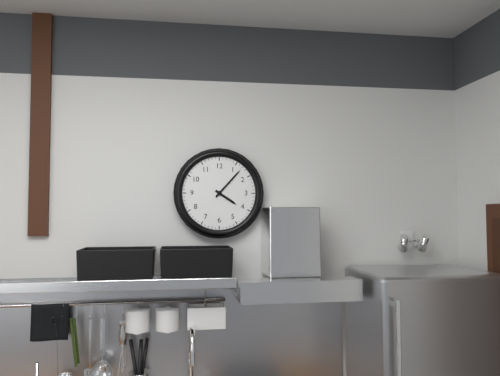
4:07
